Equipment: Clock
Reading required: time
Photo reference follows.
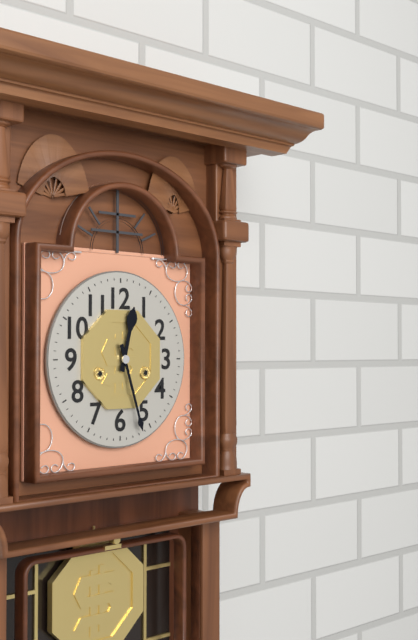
12:27
